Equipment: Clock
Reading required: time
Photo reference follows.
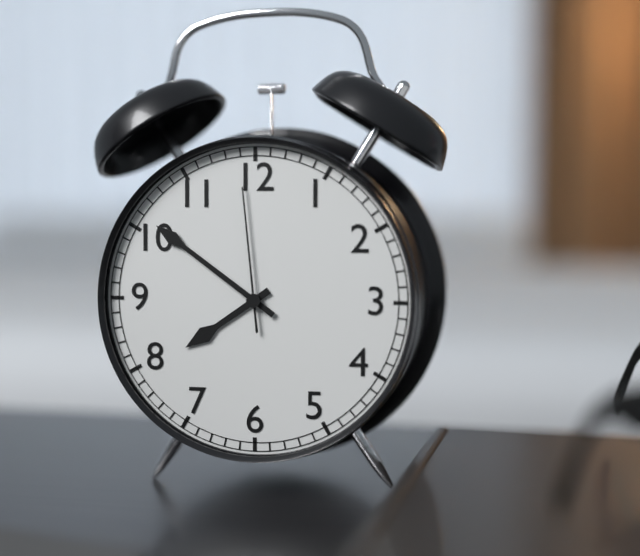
7:51:59
